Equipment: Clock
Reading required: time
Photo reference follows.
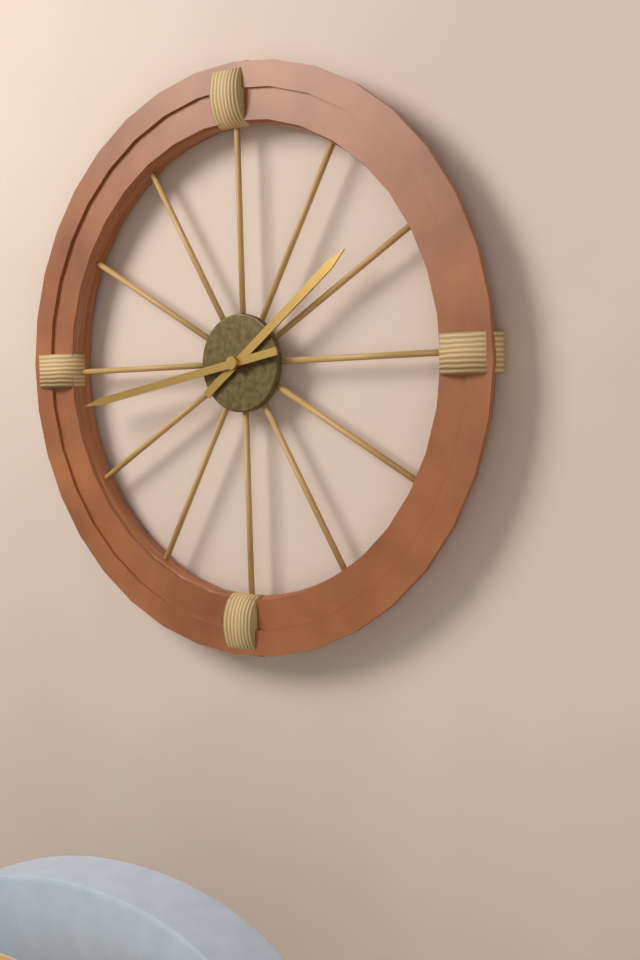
1:43
